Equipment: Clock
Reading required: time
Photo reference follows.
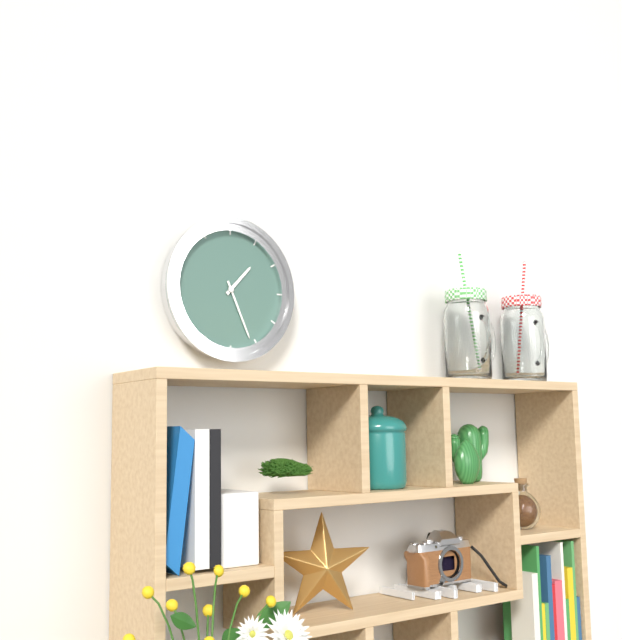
1:26
